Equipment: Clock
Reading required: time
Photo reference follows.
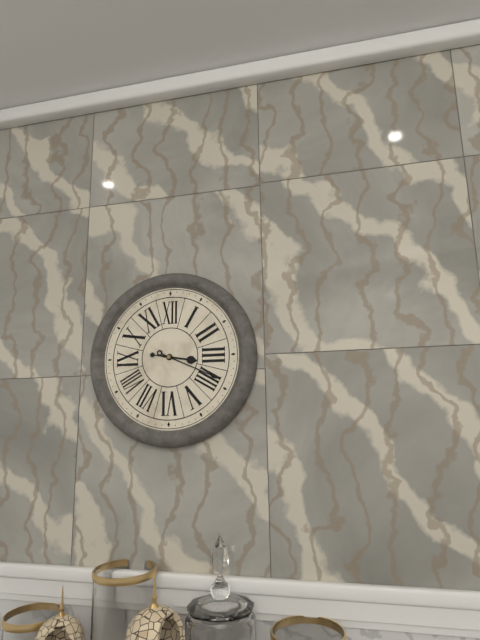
3:19
